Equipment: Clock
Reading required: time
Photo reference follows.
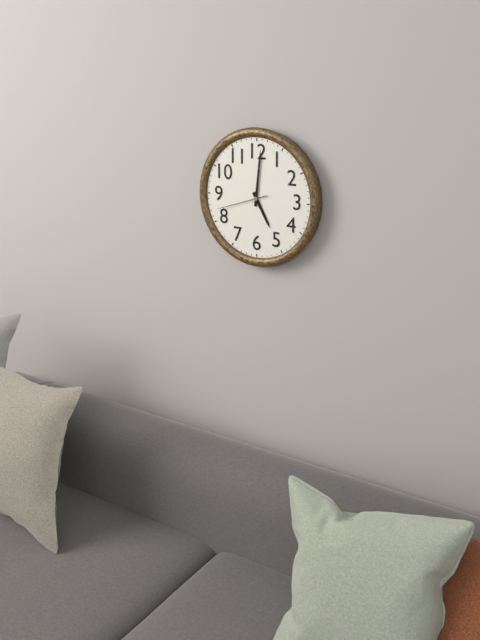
5:01:42
